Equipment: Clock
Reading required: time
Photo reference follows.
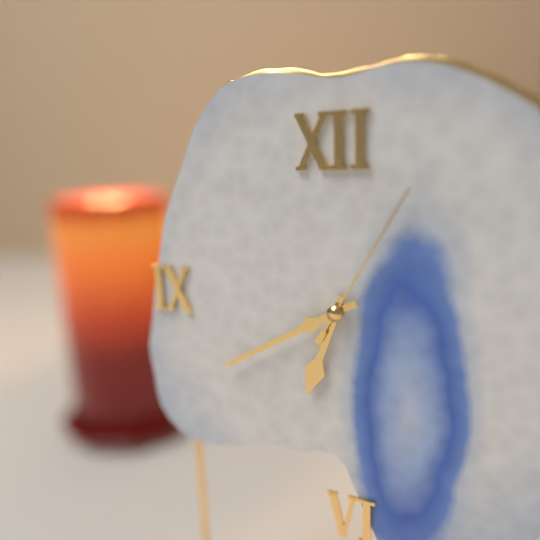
6:40:05
